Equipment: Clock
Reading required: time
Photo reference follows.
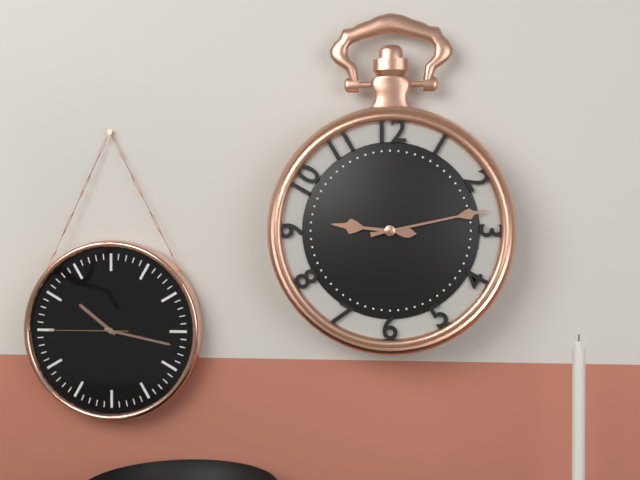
9:13
